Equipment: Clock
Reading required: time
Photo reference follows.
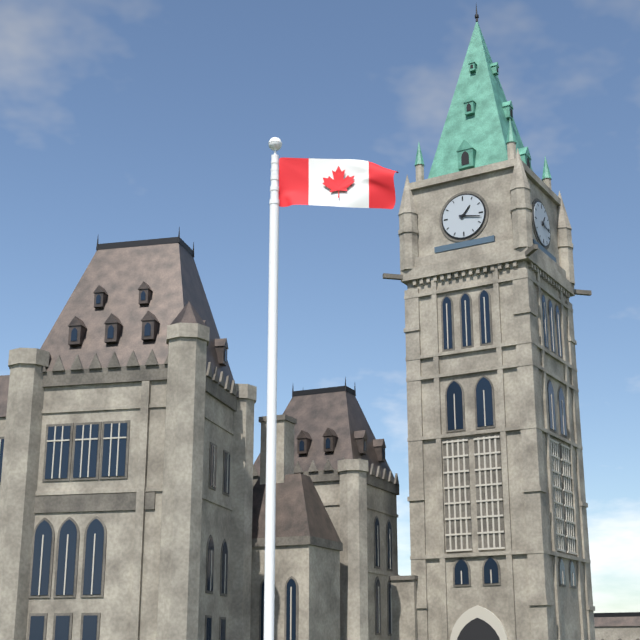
1:17
